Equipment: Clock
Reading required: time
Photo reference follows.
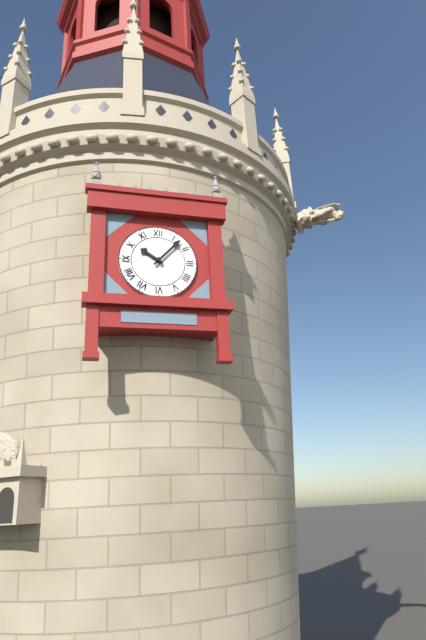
10:07
